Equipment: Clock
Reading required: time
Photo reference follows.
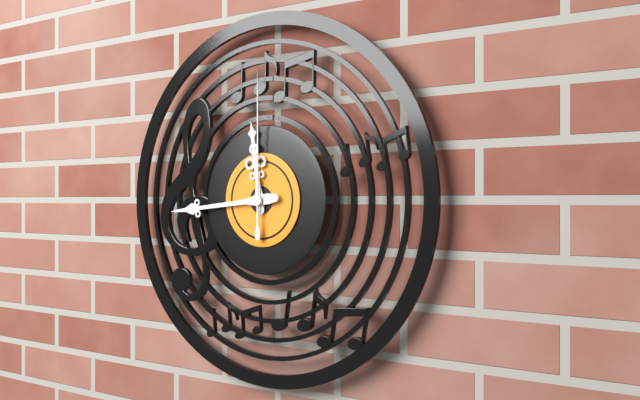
11:44:00
